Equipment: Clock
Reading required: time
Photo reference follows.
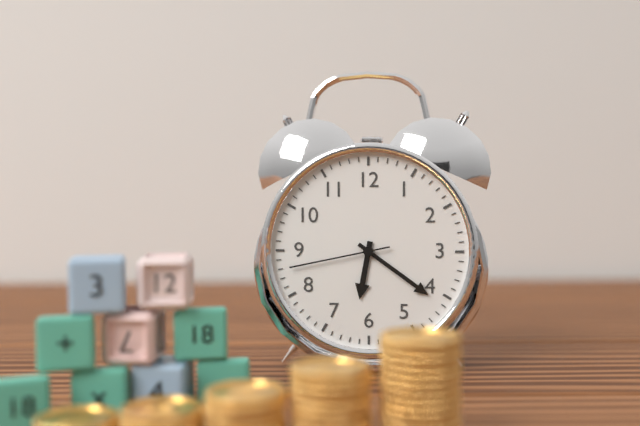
6:21:43
